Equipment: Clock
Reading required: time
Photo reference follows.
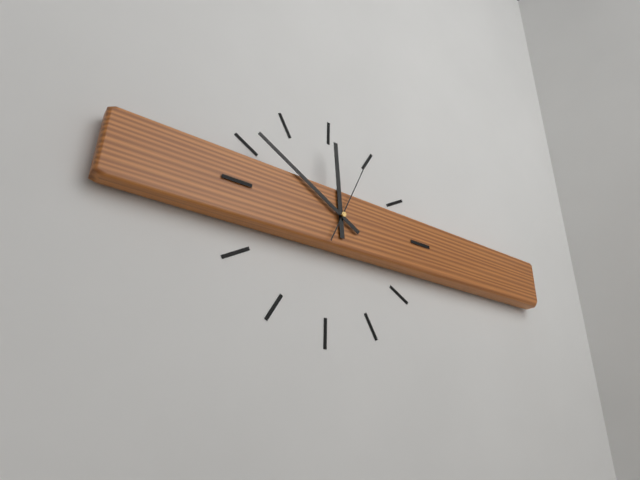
11:50:04
